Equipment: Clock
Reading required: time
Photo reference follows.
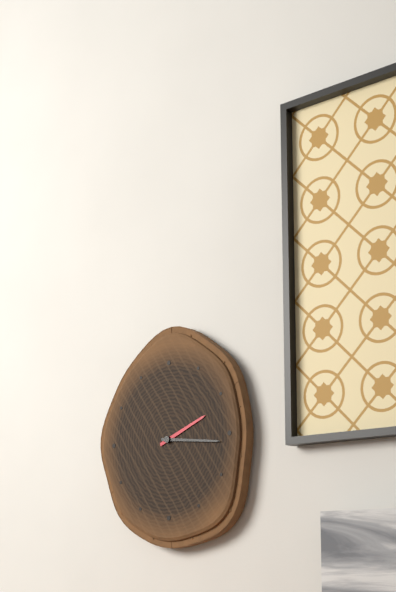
2:16
